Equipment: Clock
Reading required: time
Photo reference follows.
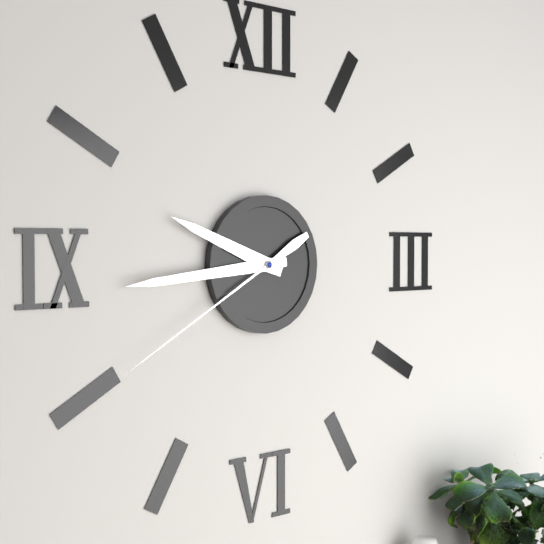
9:44:40
